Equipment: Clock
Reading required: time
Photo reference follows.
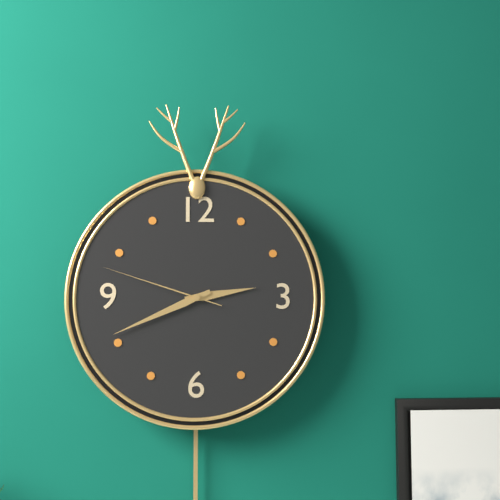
2:41:48
